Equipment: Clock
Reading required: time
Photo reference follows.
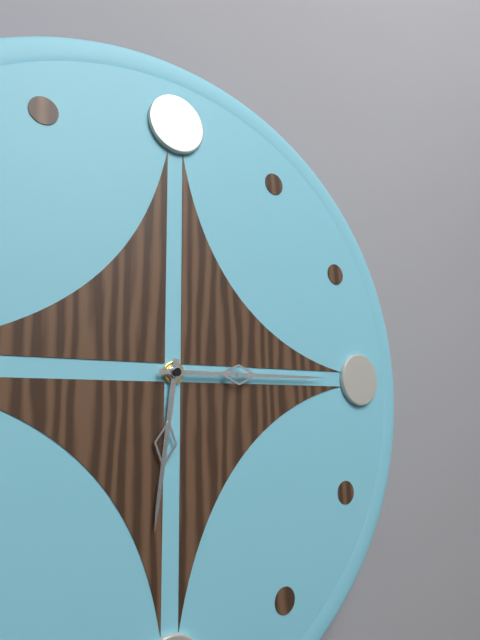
6:15
